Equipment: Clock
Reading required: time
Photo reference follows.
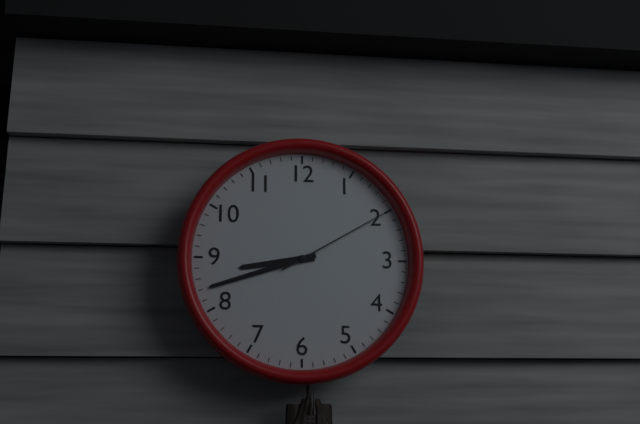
8:42:10
